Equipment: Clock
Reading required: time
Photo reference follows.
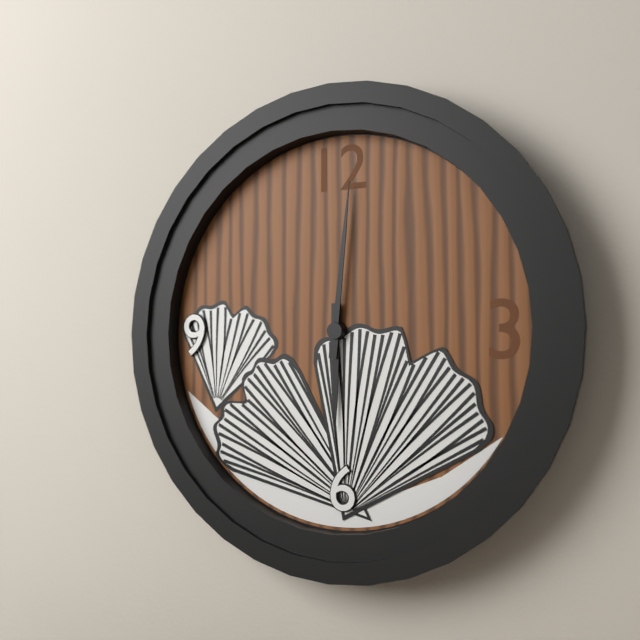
6:01
